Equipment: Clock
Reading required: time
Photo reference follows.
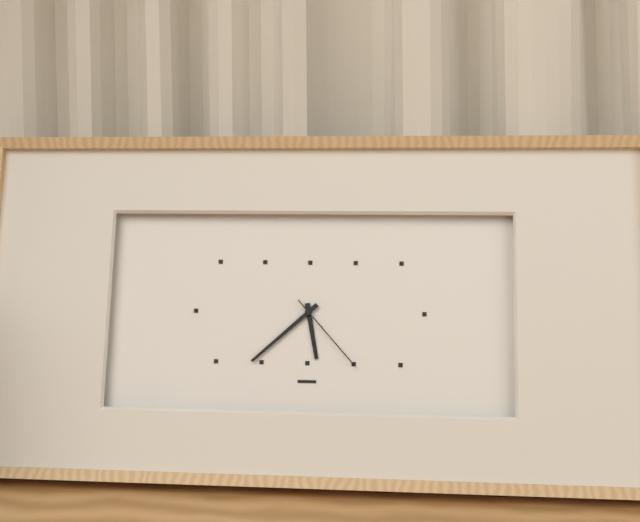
5:38:23
